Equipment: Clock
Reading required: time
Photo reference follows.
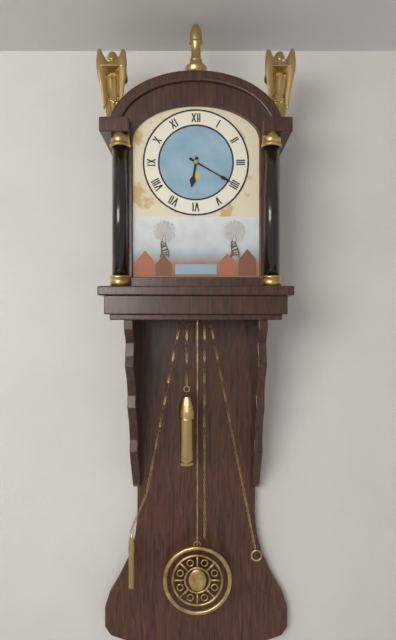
6:20
